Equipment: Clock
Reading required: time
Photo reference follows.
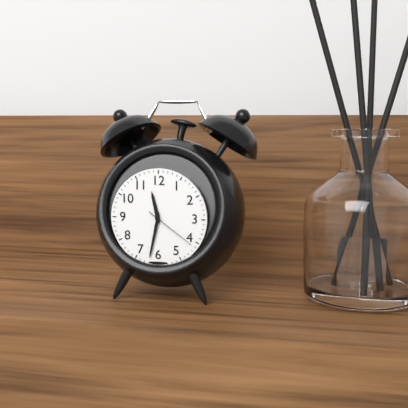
11:32:21
